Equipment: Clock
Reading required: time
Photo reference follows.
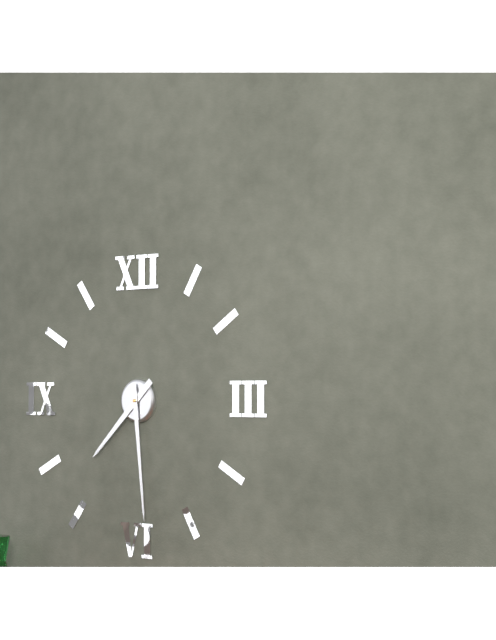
7:29
